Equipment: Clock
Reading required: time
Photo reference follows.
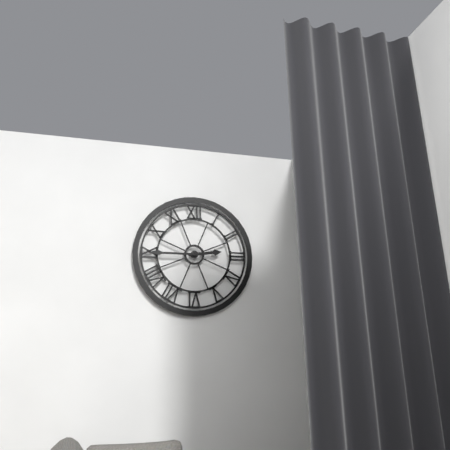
2:45
